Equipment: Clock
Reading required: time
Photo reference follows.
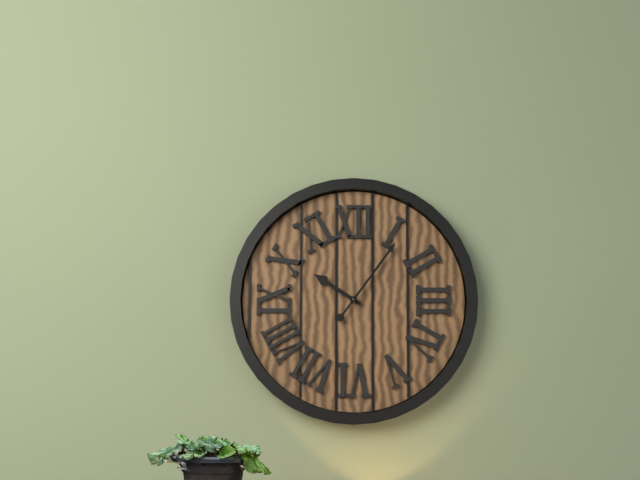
10:06
